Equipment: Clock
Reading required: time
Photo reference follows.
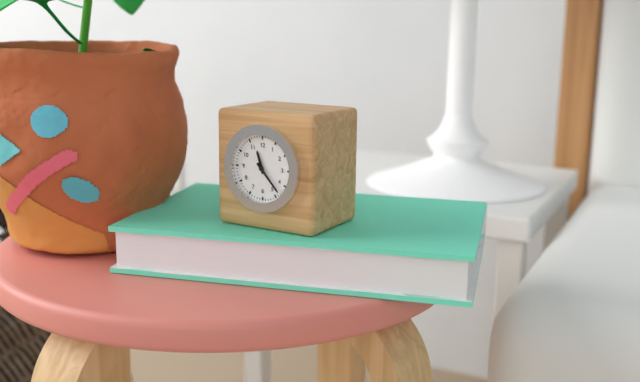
11:23
